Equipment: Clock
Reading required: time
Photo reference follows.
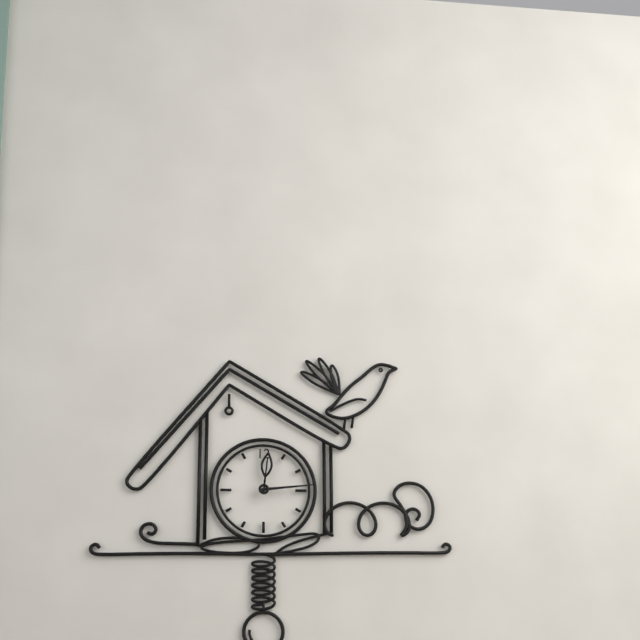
12:14
